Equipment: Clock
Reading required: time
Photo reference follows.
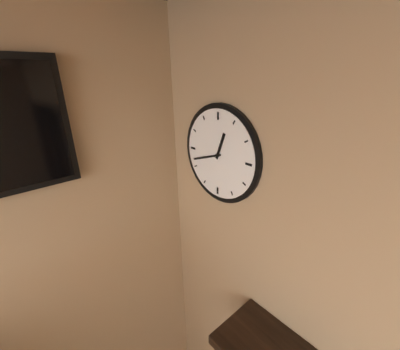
12:42
